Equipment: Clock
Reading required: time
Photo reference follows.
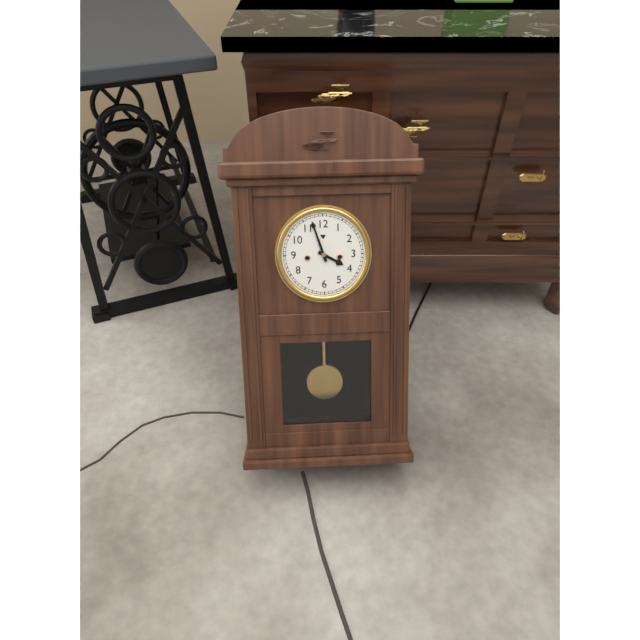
3:57
